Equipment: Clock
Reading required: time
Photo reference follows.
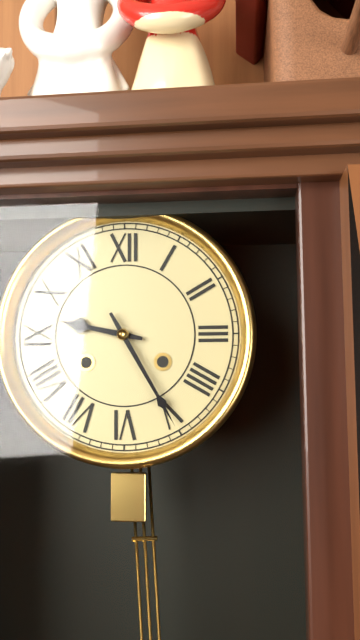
9:25
